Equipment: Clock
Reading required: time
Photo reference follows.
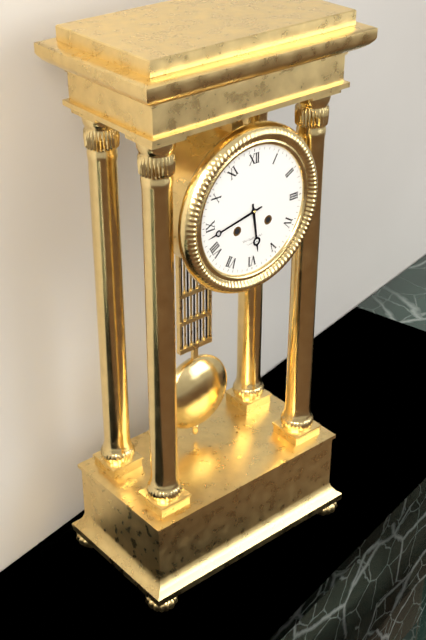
5:43
